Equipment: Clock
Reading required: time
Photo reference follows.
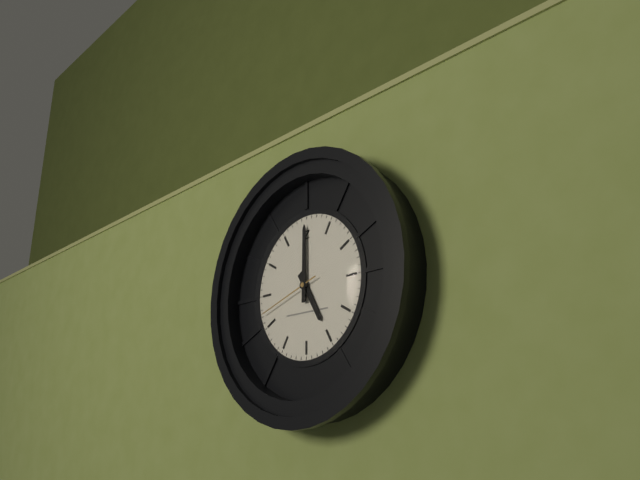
5:00:42
